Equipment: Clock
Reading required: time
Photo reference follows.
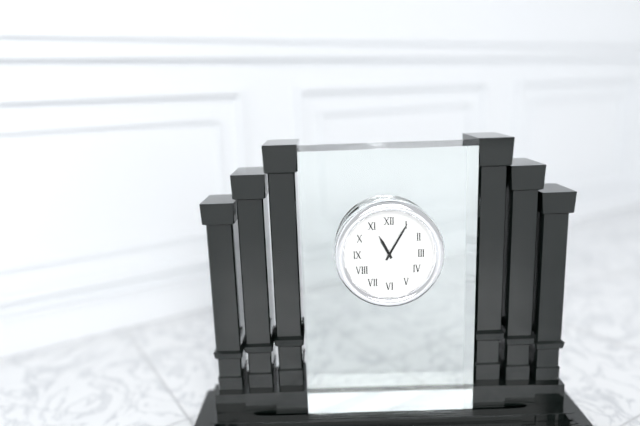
11:05
